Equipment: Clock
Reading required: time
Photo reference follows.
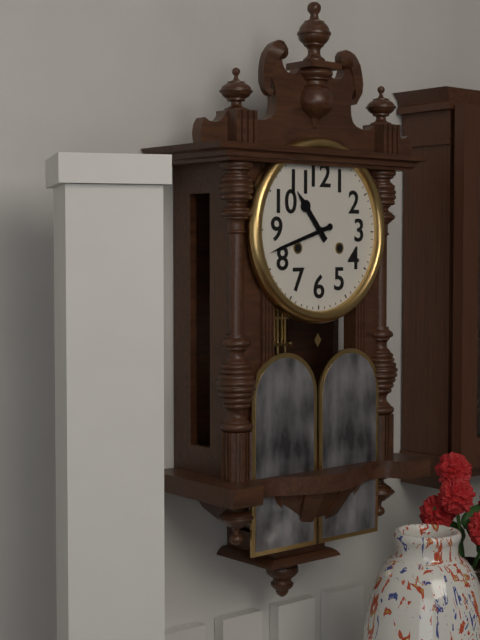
10:42
